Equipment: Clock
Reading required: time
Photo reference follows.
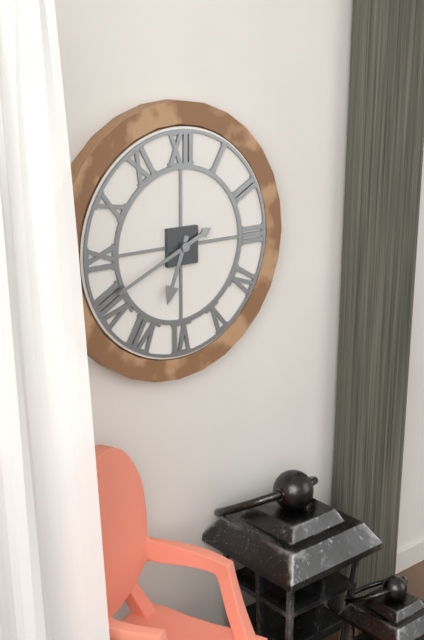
6:41
